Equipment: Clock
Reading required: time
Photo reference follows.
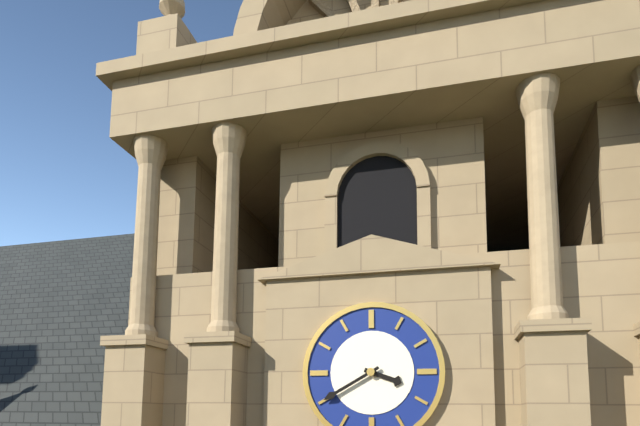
3:40
